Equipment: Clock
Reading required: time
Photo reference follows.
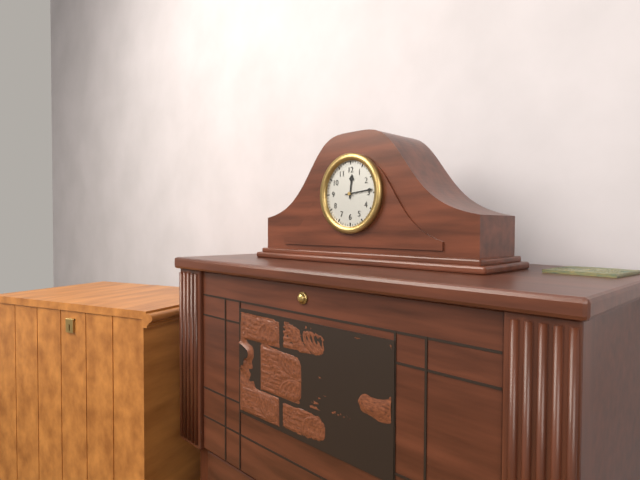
12:14
